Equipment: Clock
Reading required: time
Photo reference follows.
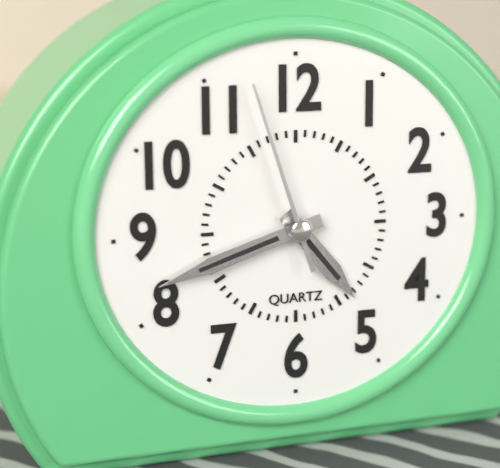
4:42:57
